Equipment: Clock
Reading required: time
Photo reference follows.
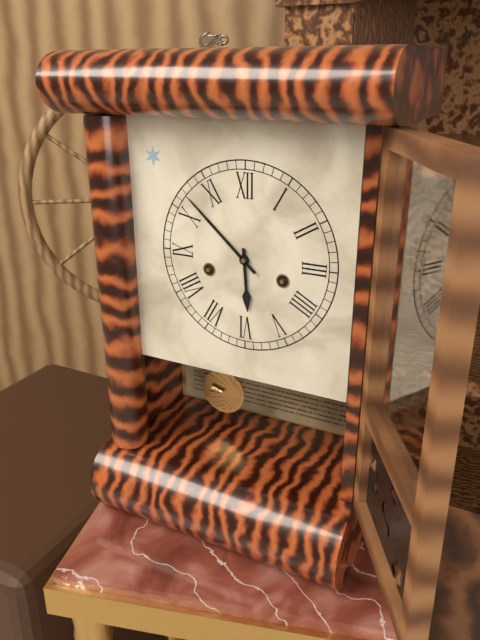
5:52
